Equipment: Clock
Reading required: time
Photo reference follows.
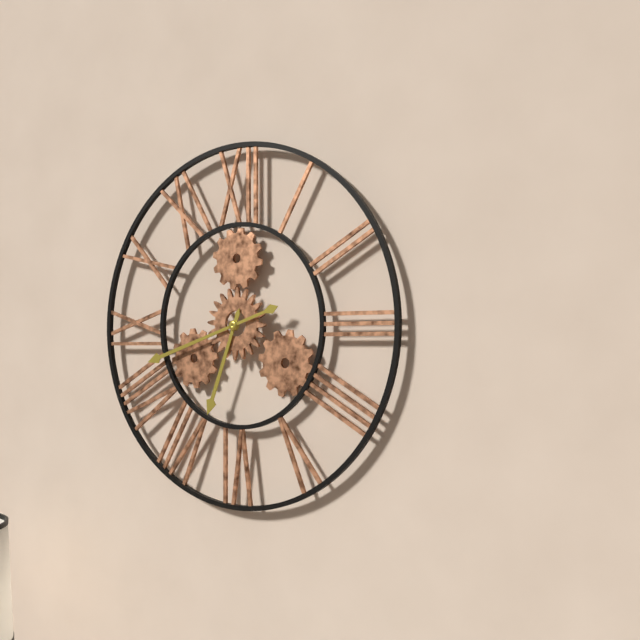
6:42
